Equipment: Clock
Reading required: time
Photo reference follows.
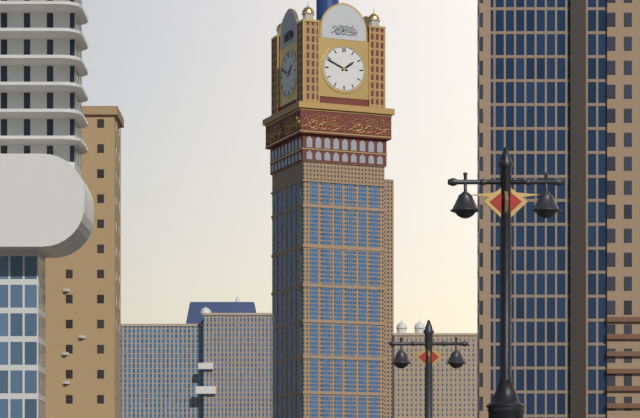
1:49
